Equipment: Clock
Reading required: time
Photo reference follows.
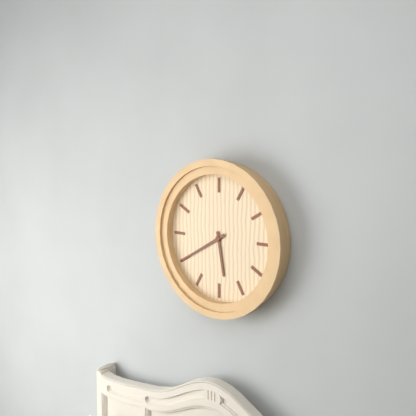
5:40
